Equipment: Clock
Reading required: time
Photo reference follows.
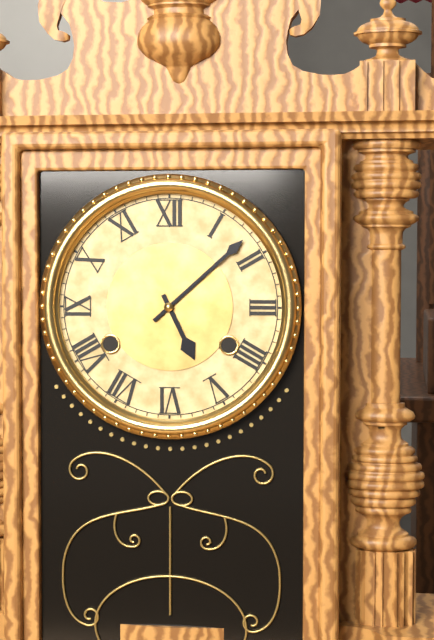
5:08
